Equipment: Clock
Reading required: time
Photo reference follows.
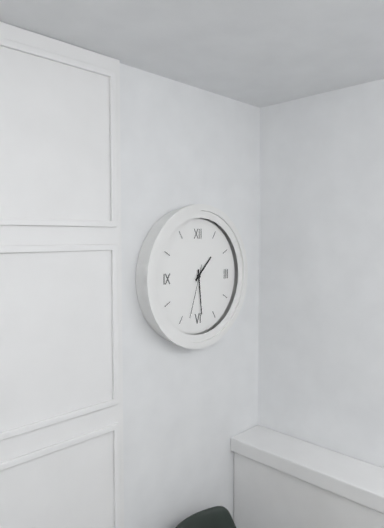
1:29:33
